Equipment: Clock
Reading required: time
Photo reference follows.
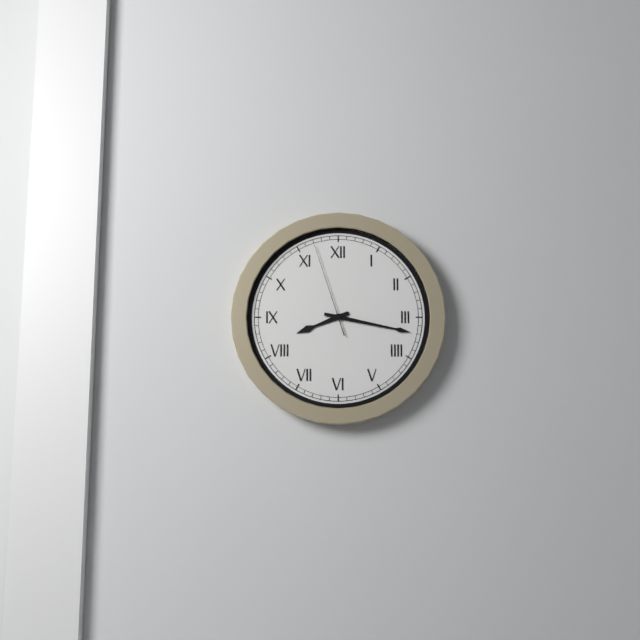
8:17:57
